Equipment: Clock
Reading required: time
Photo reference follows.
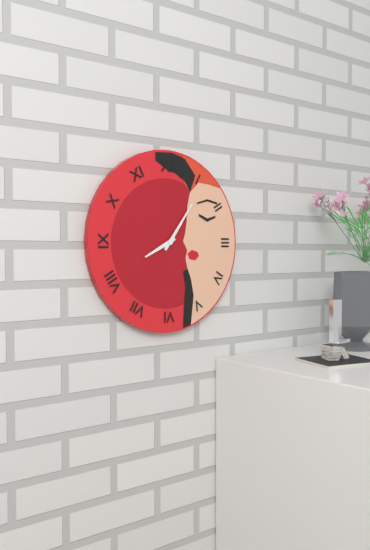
8:06
